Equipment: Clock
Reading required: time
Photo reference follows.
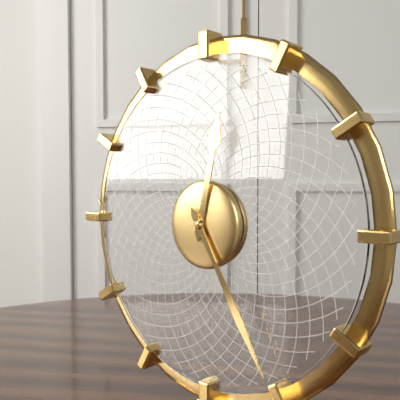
12:25
